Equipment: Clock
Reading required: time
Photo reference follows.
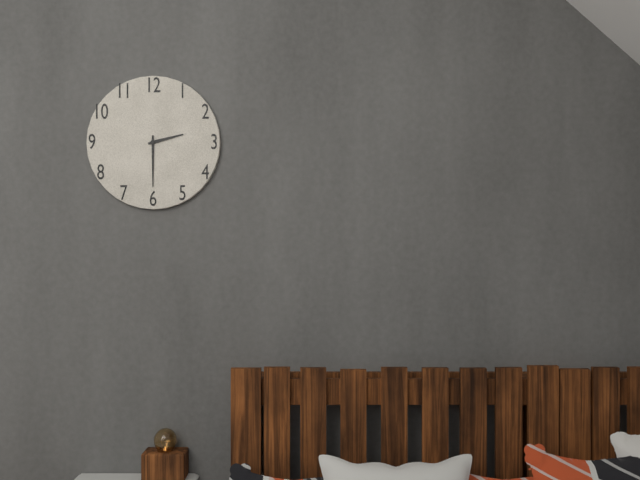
2:30
